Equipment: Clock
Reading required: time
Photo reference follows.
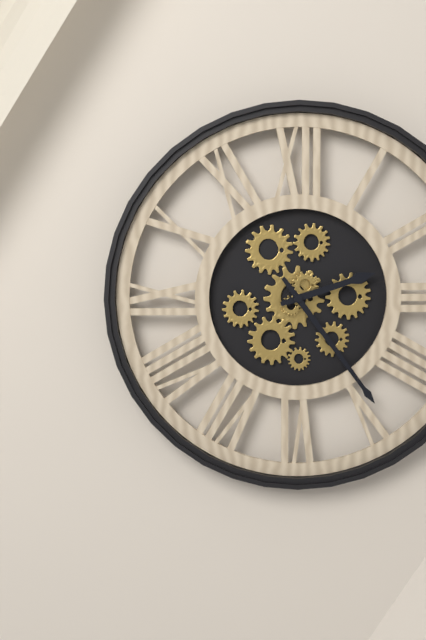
2:24
